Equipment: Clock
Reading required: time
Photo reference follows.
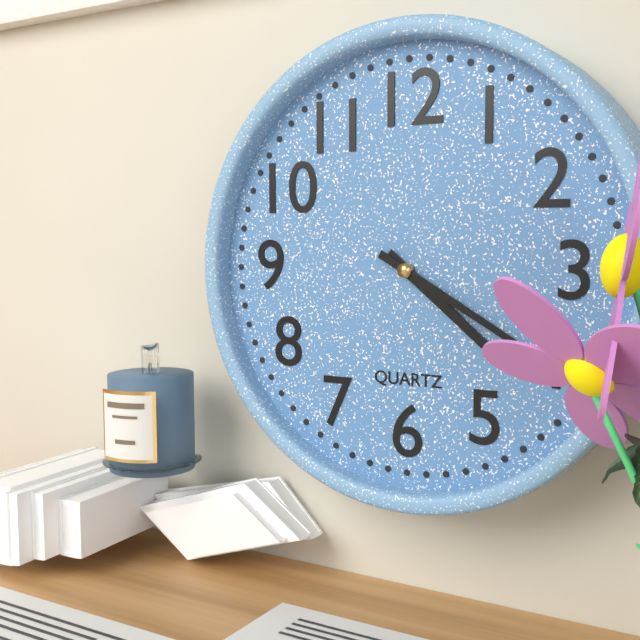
4:20
